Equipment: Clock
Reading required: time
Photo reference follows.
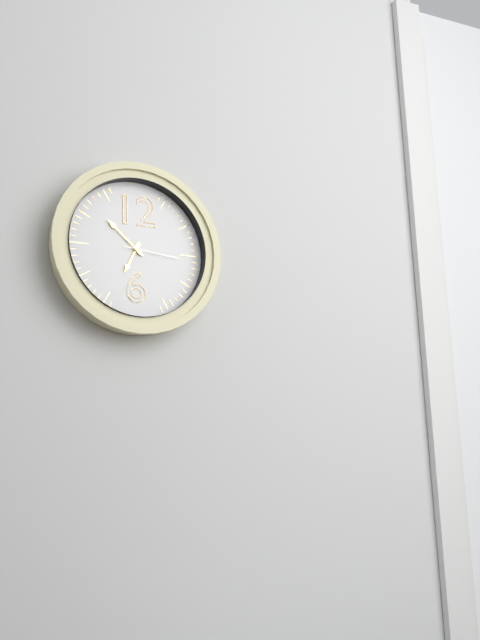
6:52:16
